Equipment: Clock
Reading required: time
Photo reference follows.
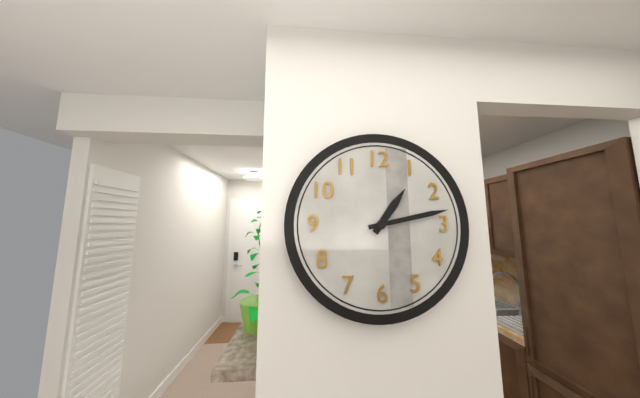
1:13
